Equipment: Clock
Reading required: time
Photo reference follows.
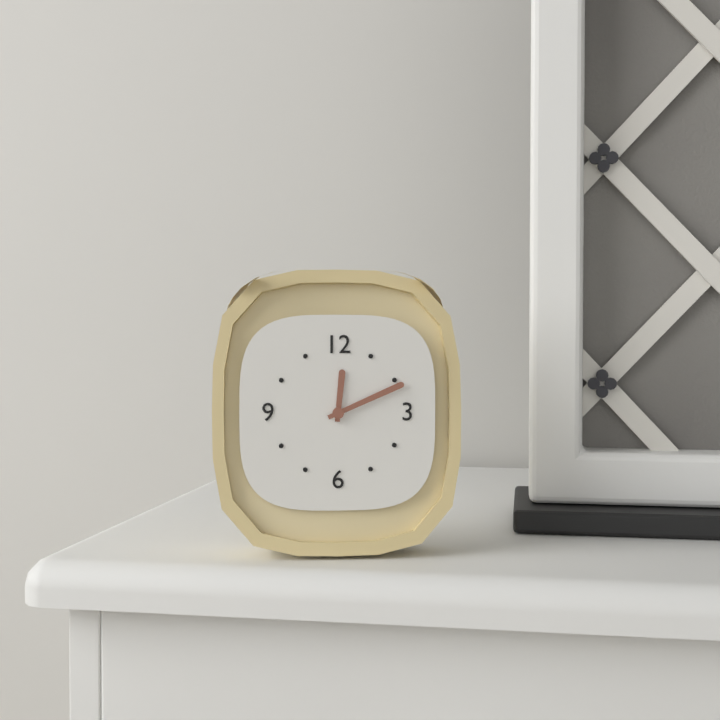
12:11
